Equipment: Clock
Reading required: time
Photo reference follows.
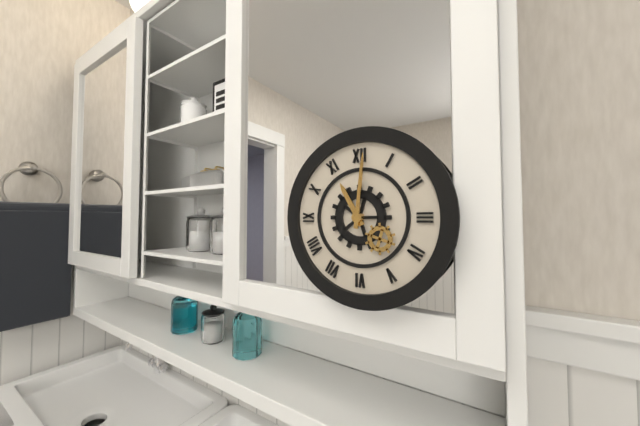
11:01
